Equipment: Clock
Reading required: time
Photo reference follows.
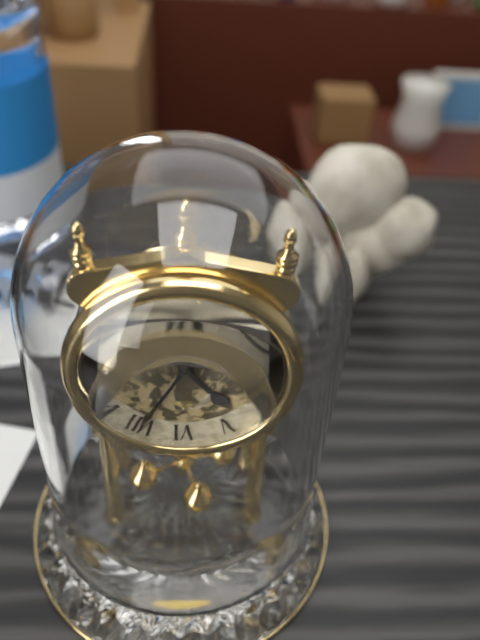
4:35
